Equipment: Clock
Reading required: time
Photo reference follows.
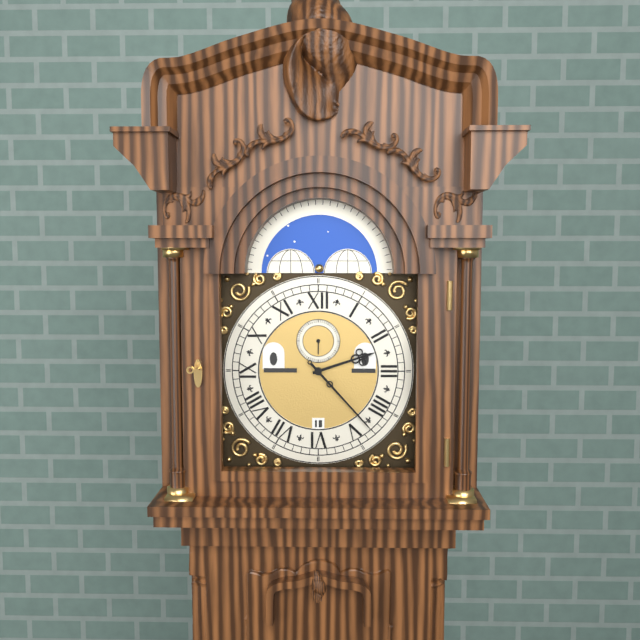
2:23
